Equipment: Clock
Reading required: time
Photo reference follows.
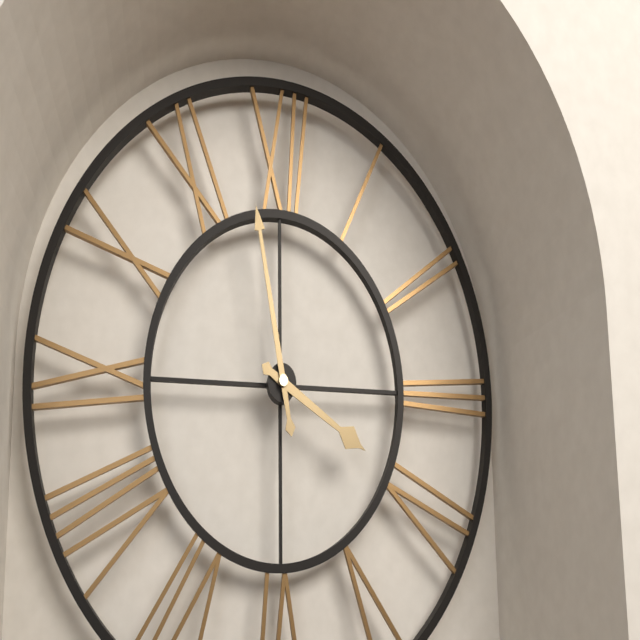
3:58
